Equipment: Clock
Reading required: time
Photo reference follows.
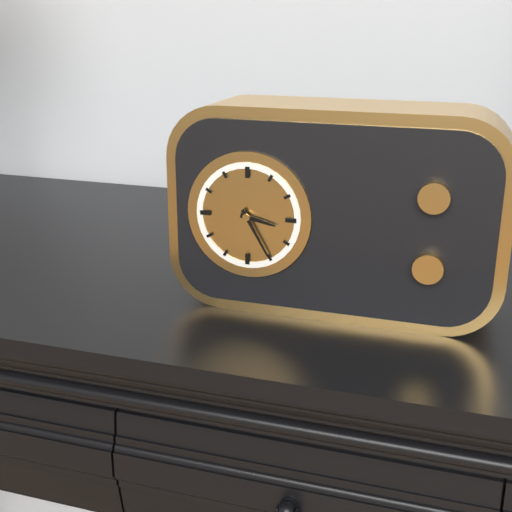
3:25
